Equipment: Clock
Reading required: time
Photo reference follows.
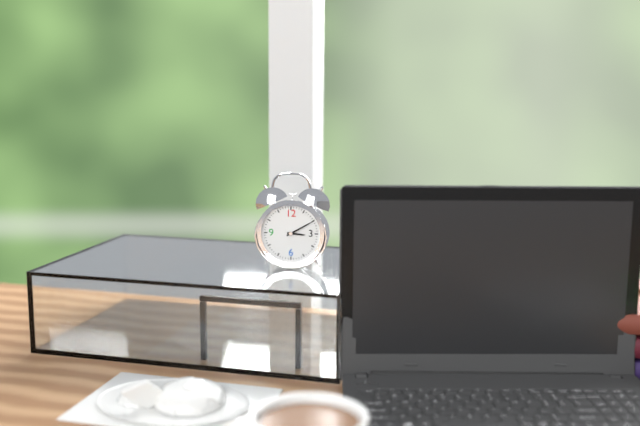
3:10
